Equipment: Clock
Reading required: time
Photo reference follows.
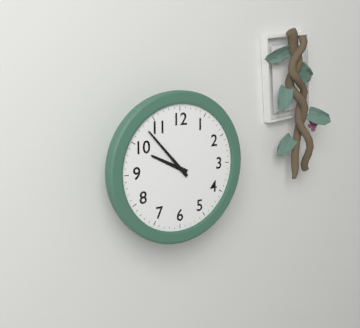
9:53
